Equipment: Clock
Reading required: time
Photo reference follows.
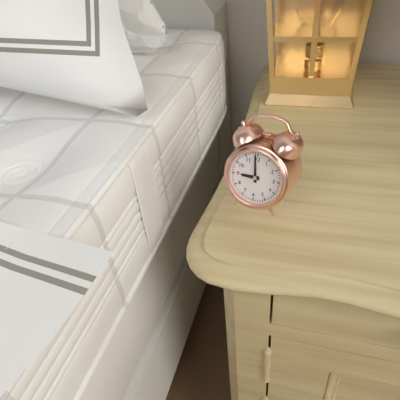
8:59
